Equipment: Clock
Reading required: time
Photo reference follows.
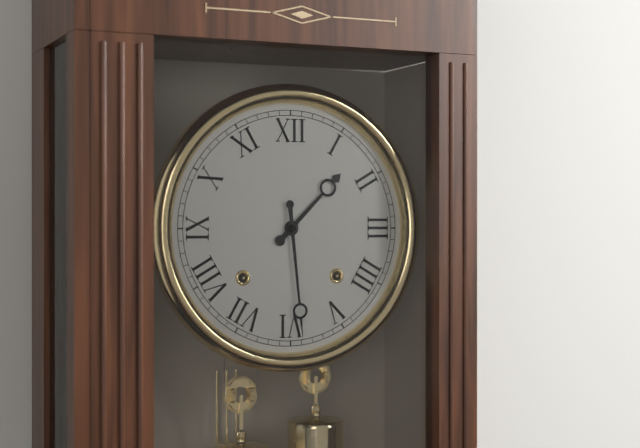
1:29
